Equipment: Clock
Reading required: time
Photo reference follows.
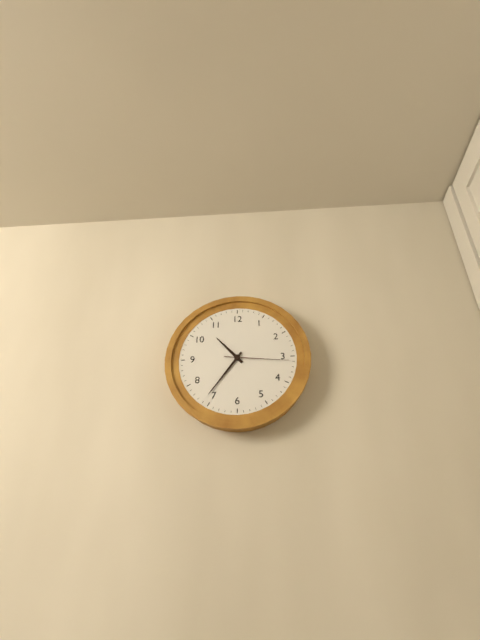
10:36:16
